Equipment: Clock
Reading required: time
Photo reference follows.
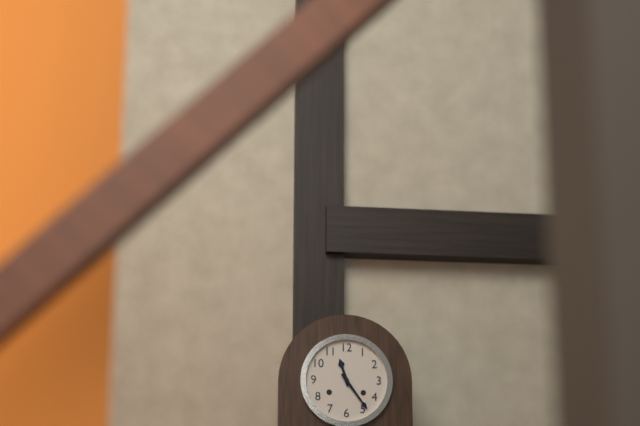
11:24
